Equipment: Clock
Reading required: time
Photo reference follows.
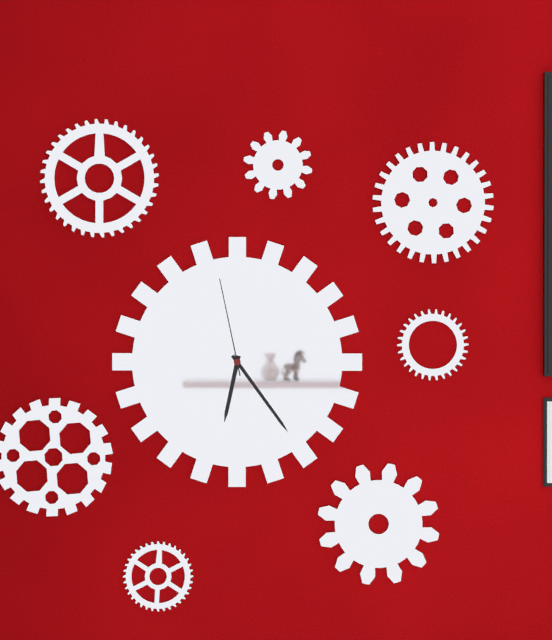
6:24:58
